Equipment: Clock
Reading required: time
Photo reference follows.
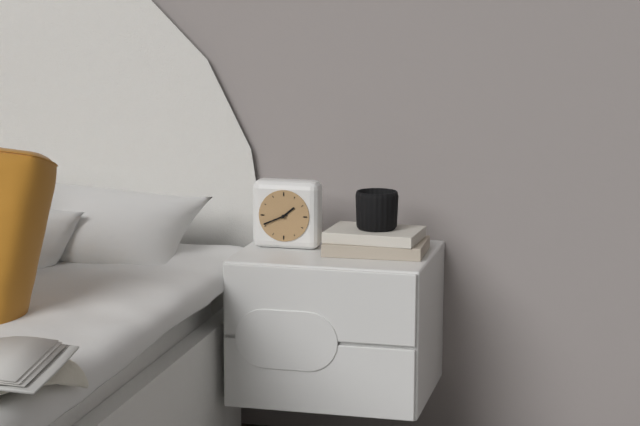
1:41
